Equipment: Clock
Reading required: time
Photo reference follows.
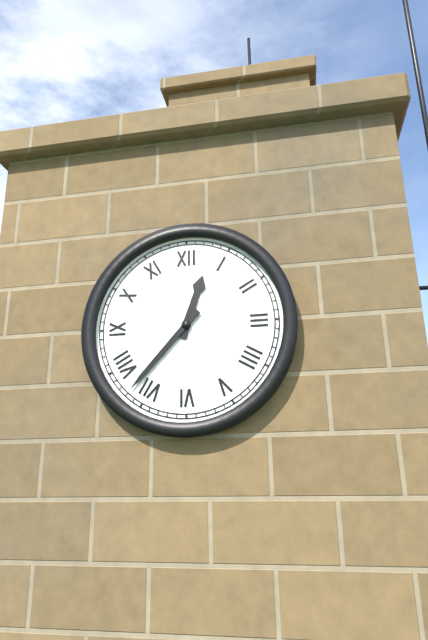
12:37
